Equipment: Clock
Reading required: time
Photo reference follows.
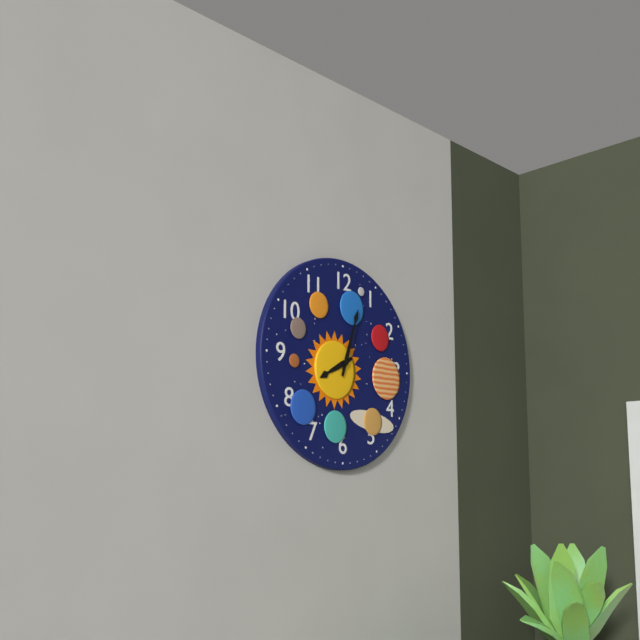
8:03
